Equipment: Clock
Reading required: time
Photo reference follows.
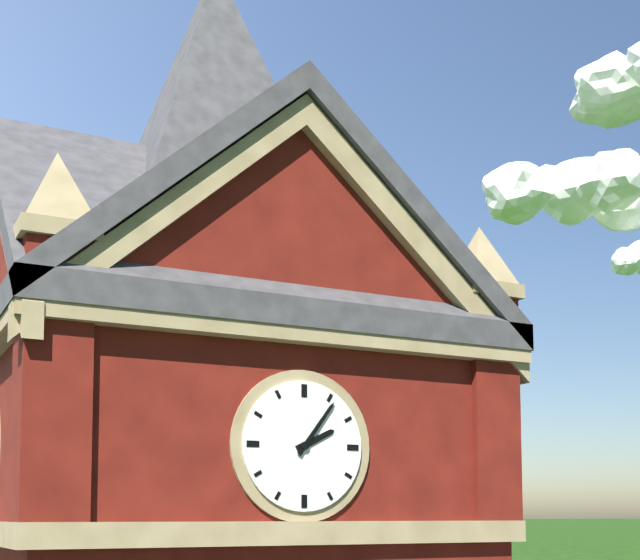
2:06
